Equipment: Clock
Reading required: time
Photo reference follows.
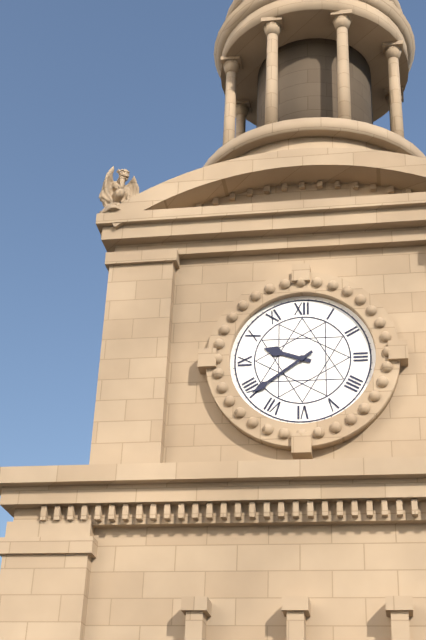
9:39
